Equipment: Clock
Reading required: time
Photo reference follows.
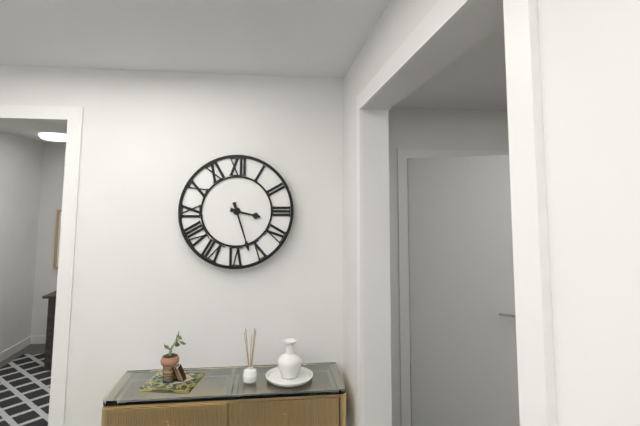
3:27
